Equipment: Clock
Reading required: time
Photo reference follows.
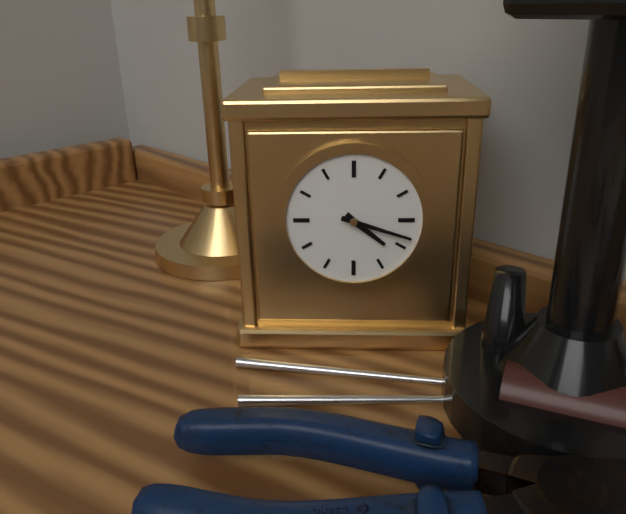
4:18
